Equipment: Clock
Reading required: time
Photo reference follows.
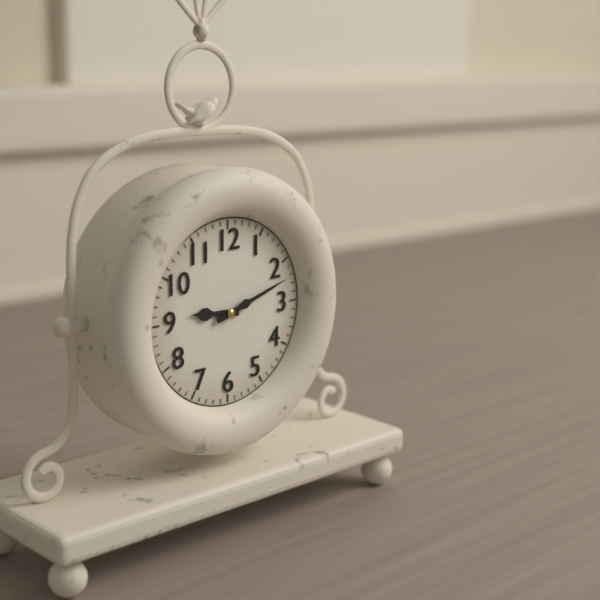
9:12
